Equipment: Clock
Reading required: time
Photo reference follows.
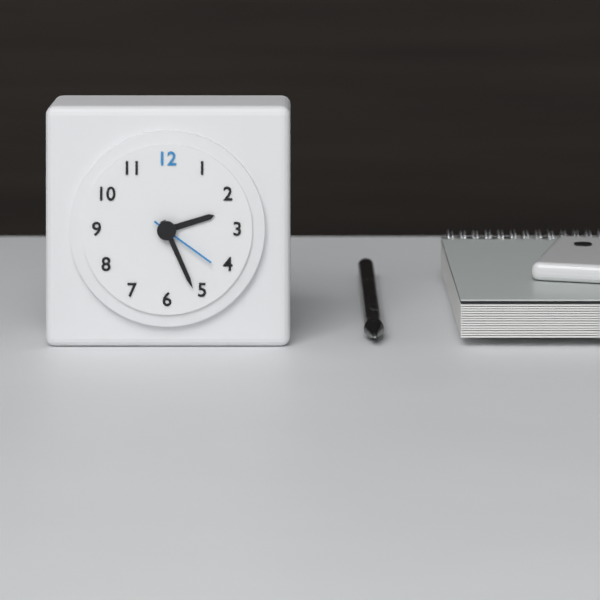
2:26:21
